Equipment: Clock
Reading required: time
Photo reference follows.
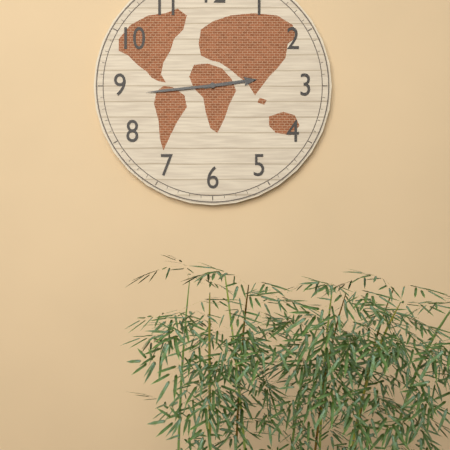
2:44
